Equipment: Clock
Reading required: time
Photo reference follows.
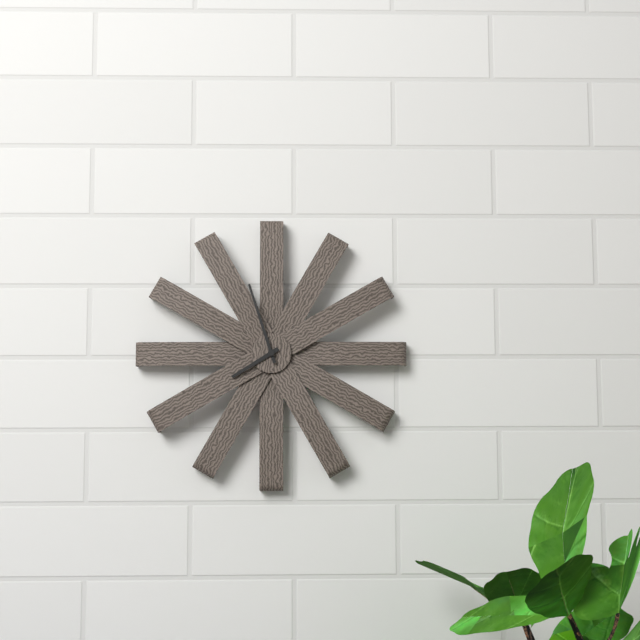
7:57
